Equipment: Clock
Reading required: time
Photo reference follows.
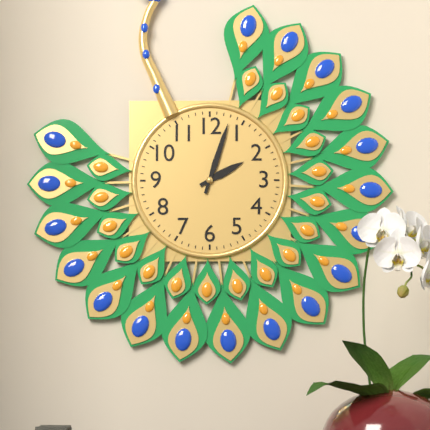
2:03
